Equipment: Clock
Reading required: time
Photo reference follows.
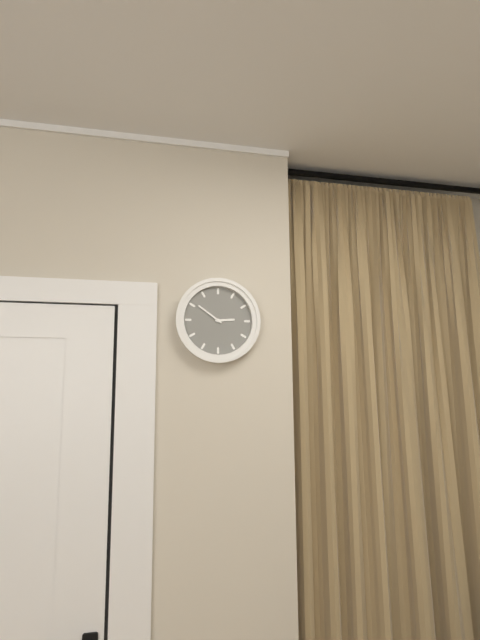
2:51
